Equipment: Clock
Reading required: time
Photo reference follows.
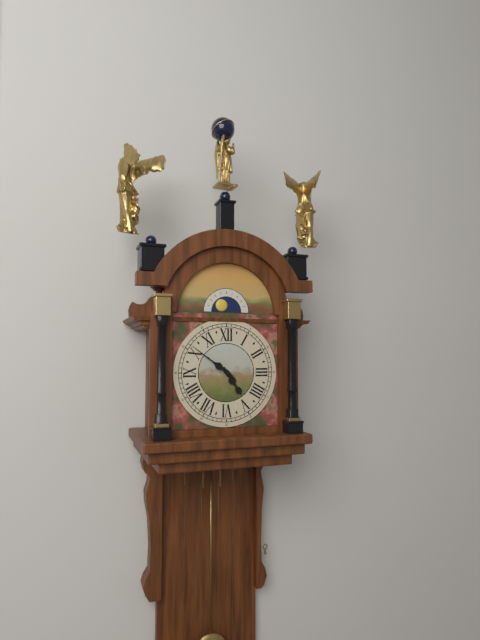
4:51
